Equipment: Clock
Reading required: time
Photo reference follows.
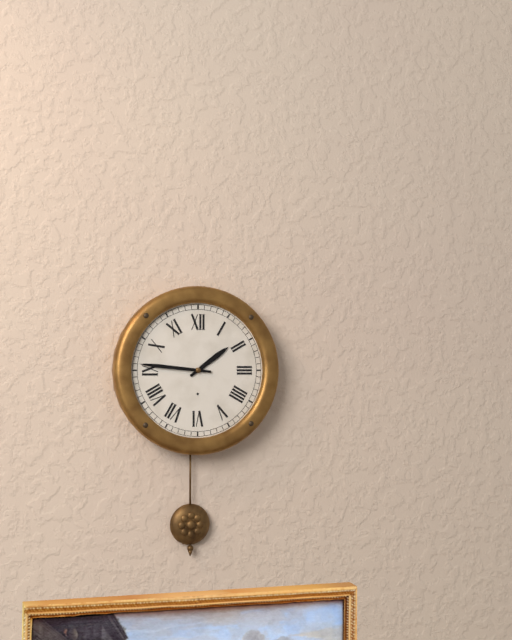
1:46
